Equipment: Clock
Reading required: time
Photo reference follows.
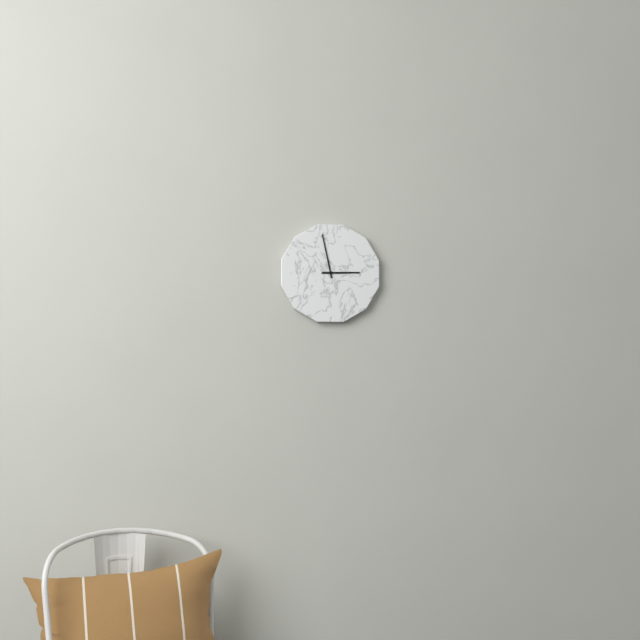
2:58
